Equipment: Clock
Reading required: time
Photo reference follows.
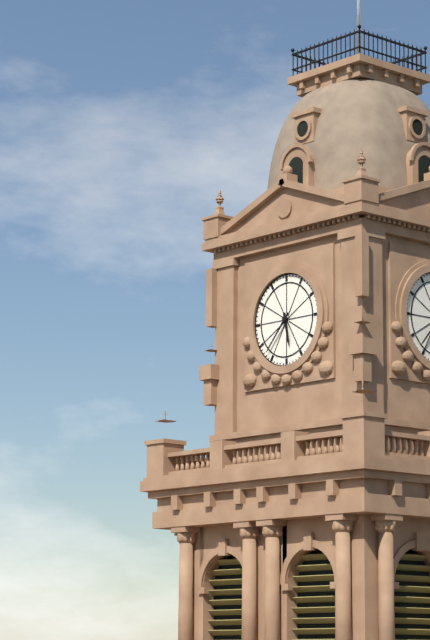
5:37
